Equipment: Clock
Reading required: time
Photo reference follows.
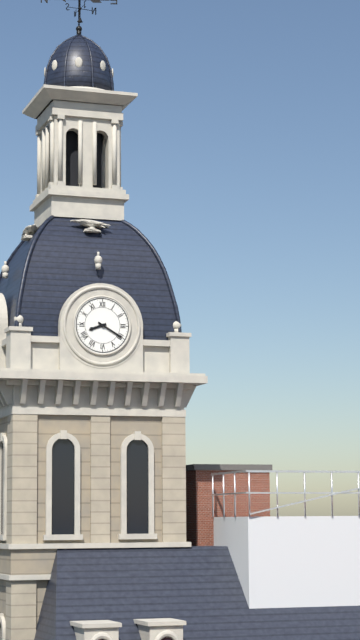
8:20
